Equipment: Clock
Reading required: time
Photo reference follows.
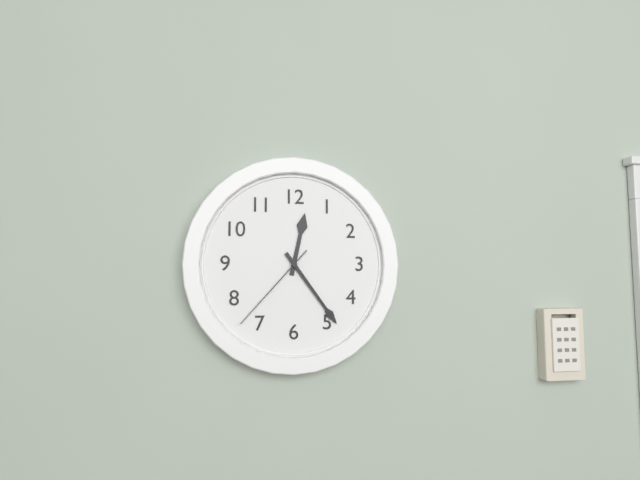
12:24:37
